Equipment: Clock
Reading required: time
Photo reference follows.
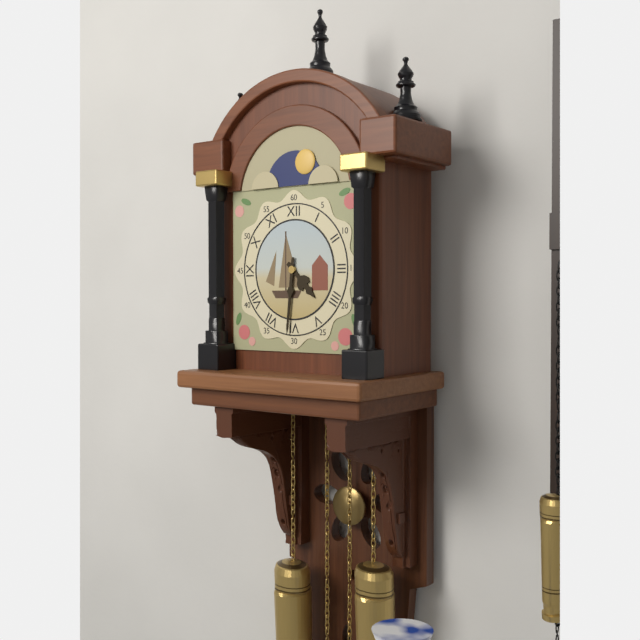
4:31
